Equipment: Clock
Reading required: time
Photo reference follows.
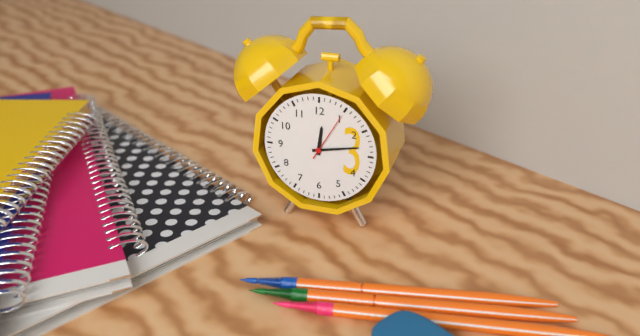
12:13:05
